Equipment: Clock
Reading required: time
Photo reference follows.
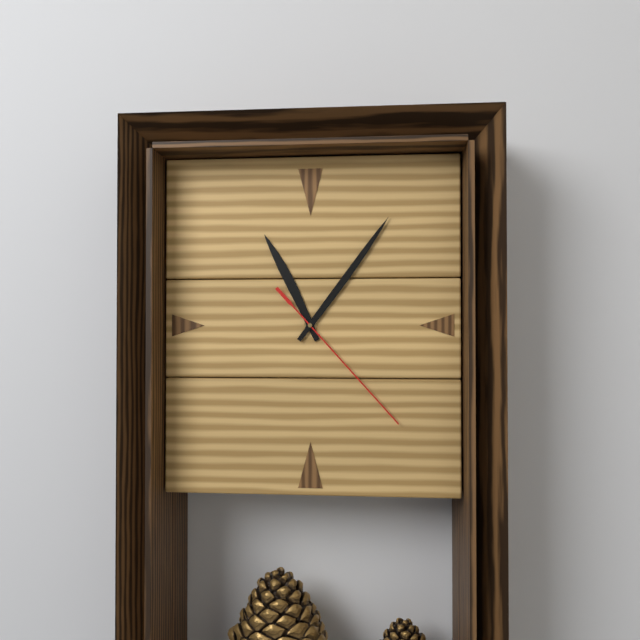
11:06:23
